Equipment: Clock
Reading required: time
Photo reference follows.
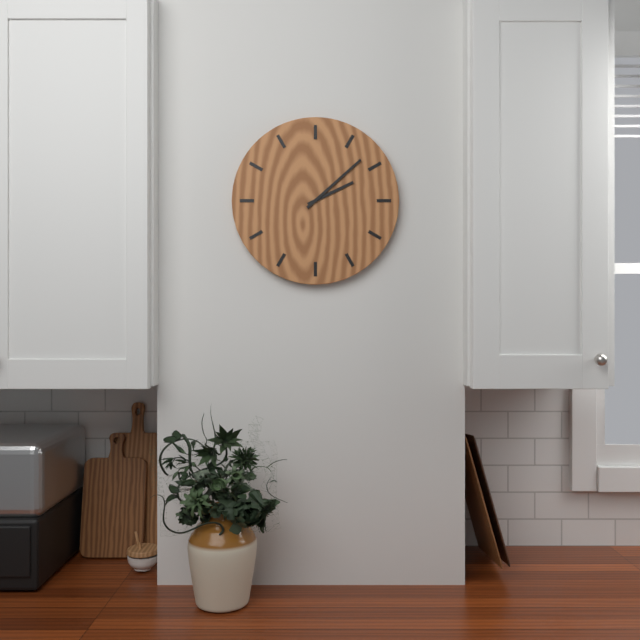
2:08
